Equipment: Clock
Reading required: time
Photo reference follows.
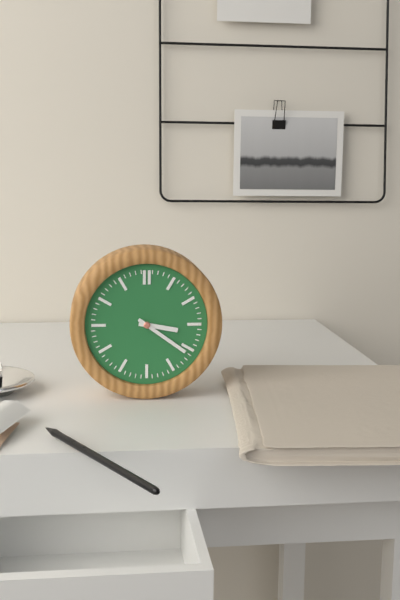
3:21
